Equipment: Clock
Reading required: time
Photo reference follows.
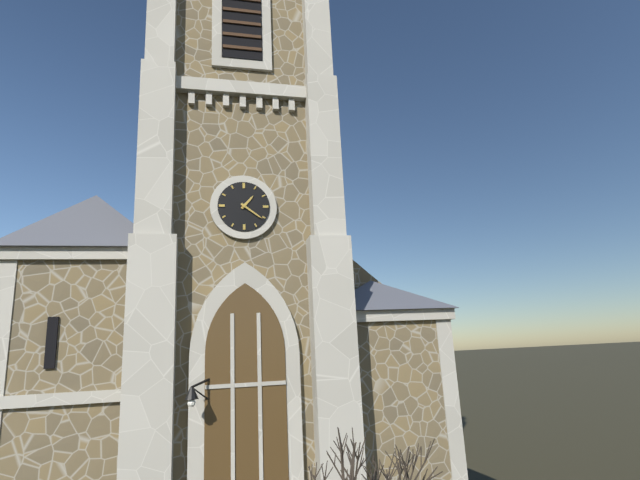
1:21
